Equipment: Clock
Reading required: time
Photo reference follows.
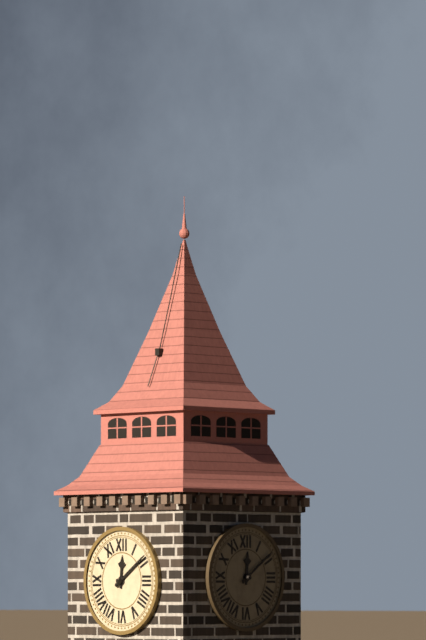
12:09
